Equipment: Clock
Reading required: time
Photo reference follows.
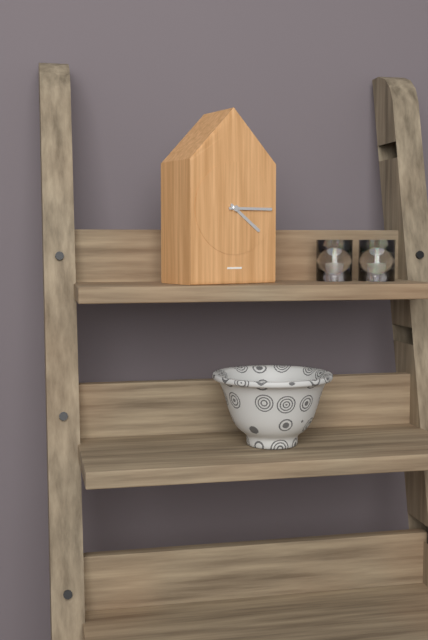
4:15
